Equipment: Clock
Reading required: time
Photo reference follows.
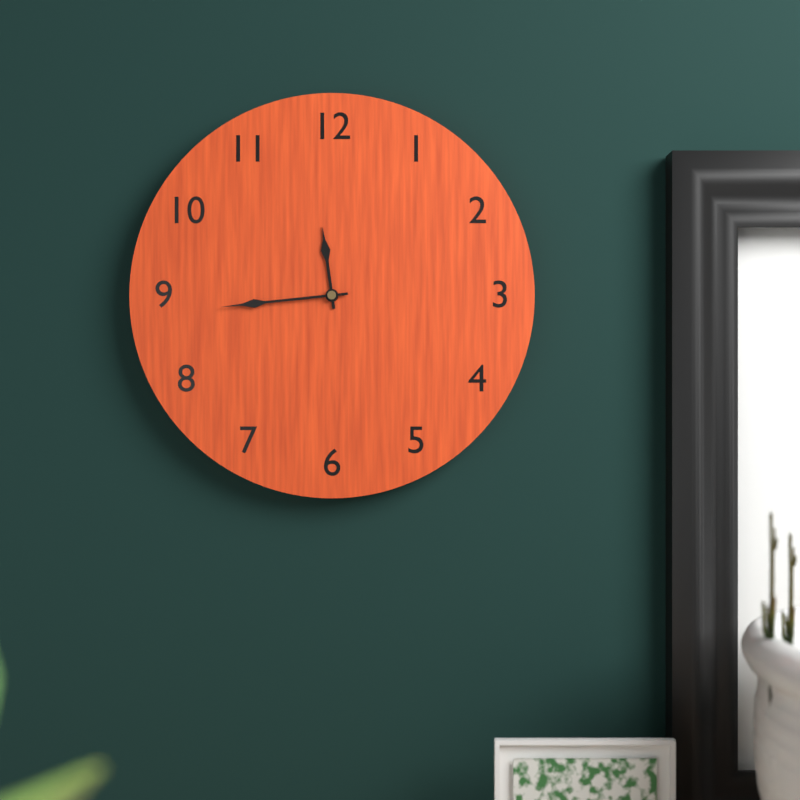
11:44
